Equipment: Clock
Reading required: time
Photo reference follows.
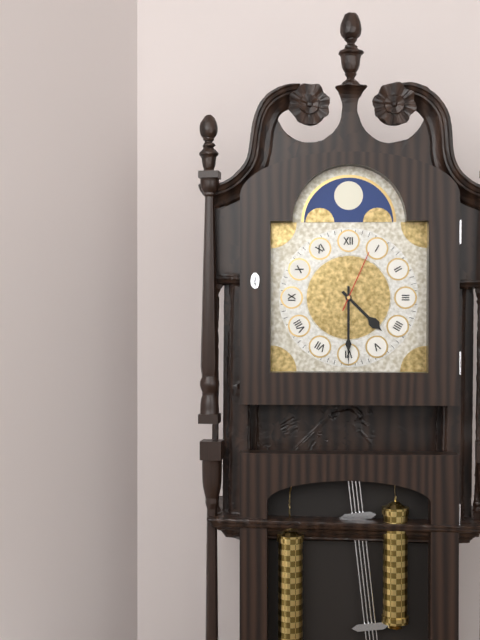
4:30:04
